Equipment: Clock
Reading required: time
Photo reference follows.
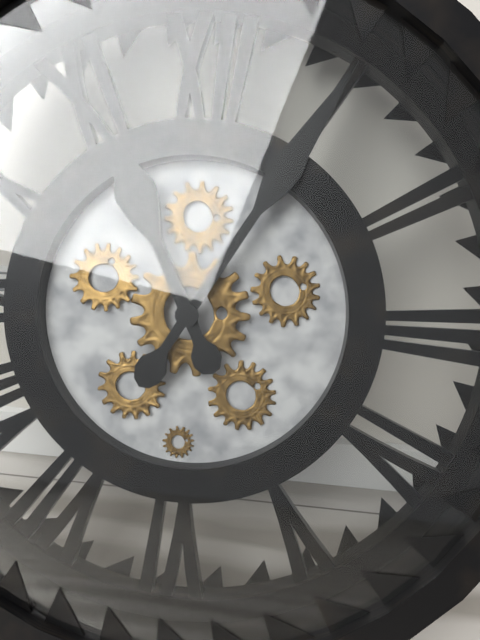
11:05
